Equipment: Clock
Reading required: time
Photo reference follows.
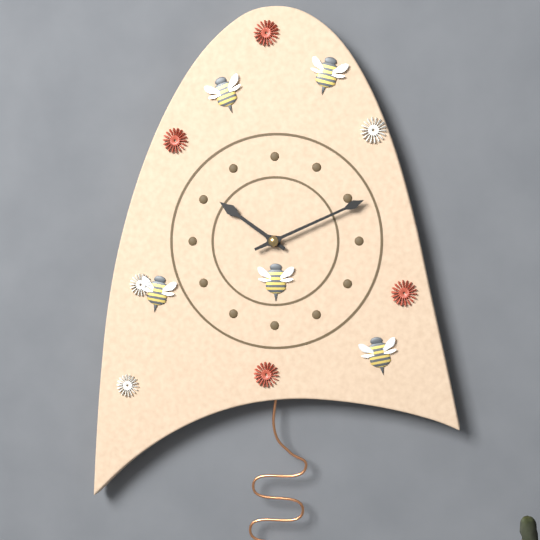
10:11
